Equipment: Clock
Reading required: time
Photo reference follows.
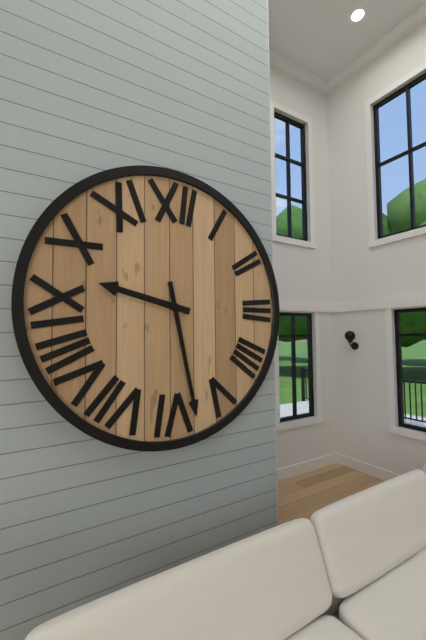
9:28
